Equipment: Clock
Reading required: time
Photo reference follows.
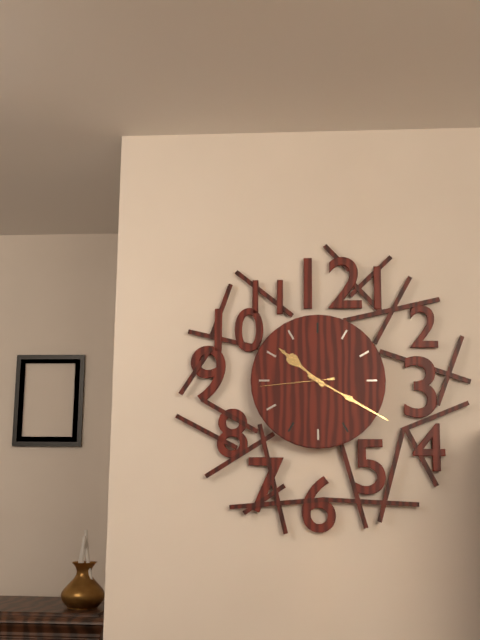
10:20:44
